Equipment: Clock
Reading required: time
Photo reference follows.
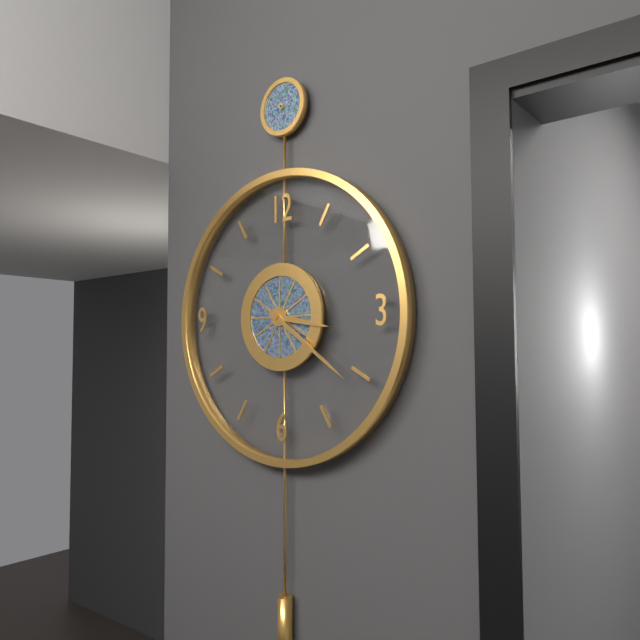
3:21
